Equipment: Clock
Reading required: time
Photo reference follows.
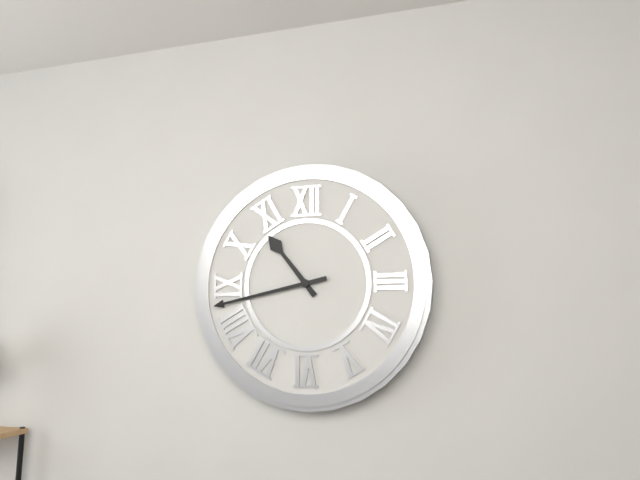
10:43
